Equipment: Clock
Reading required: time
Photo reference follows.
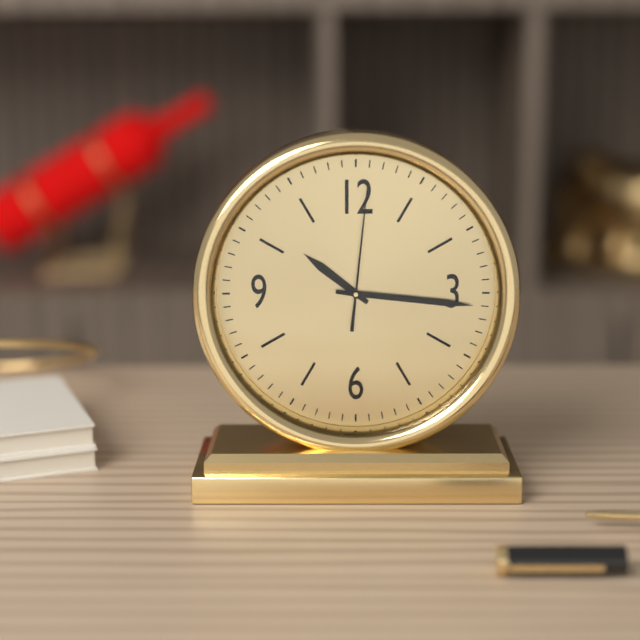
10:16:01
